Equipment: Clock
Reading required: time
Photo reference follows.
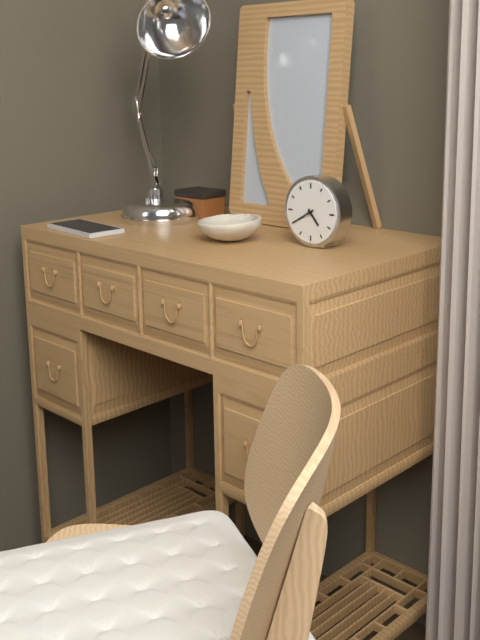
4:40
